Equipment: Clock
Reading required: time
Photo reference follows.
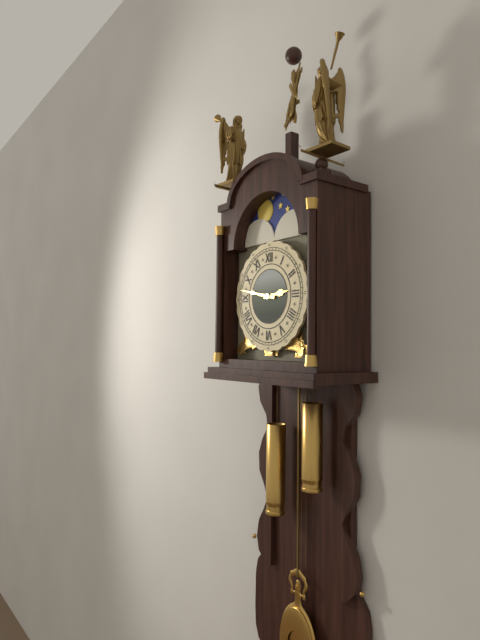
2:47
